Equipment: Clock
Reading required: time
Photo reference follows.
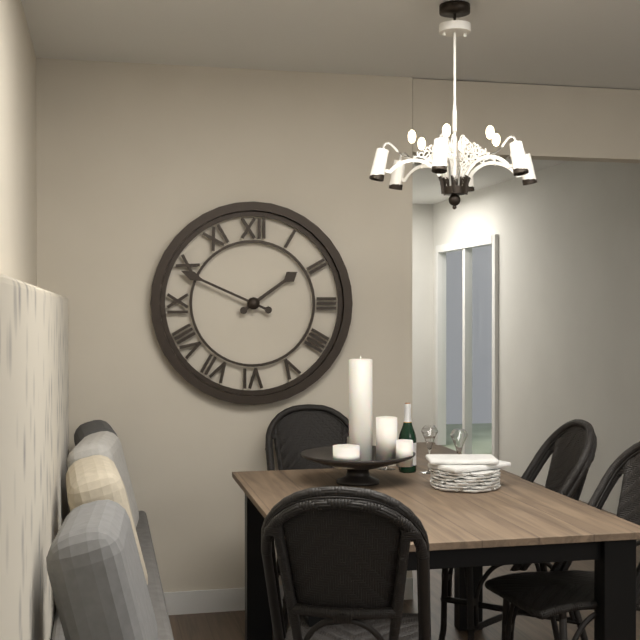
1:49
